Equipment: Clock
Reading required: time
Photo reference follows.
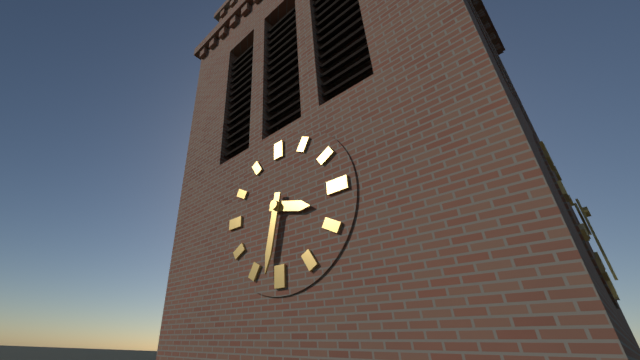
3:32
